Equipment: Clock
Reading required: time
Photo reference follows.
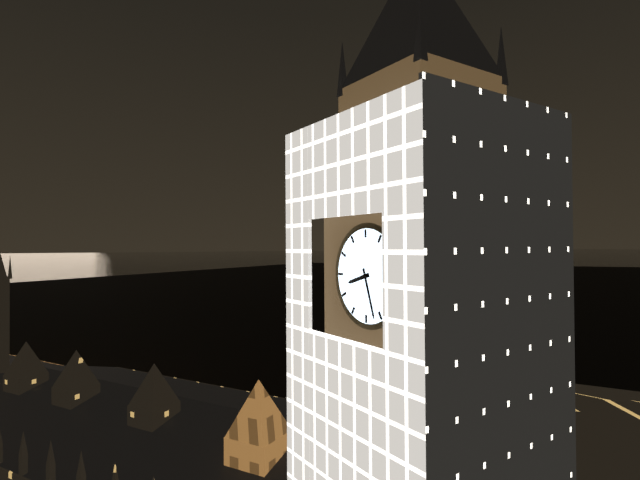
8:27
